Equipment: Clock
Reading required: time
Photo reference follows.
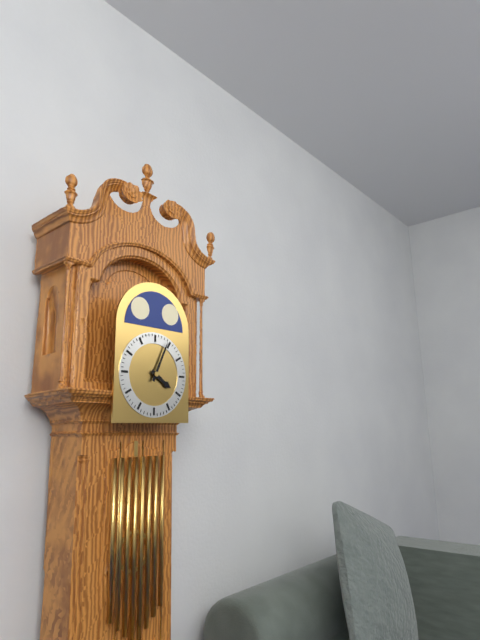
4:04
